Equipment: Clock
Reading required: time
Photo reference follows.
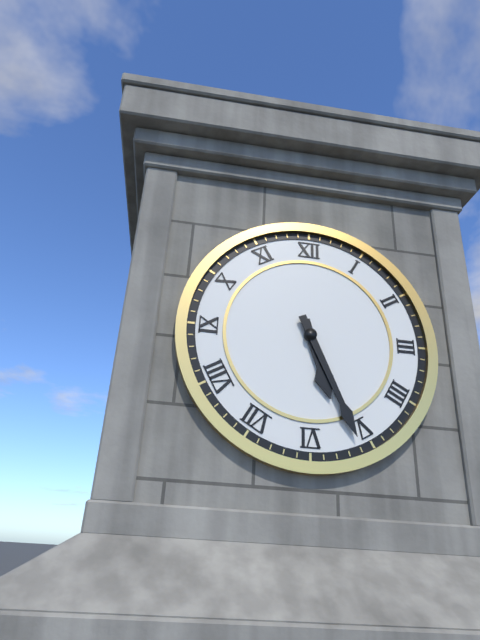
5:26
